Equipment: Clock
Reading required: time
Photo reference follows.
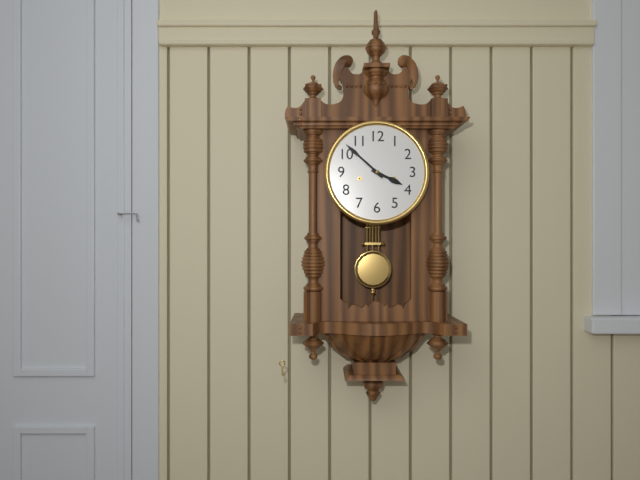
3:52
